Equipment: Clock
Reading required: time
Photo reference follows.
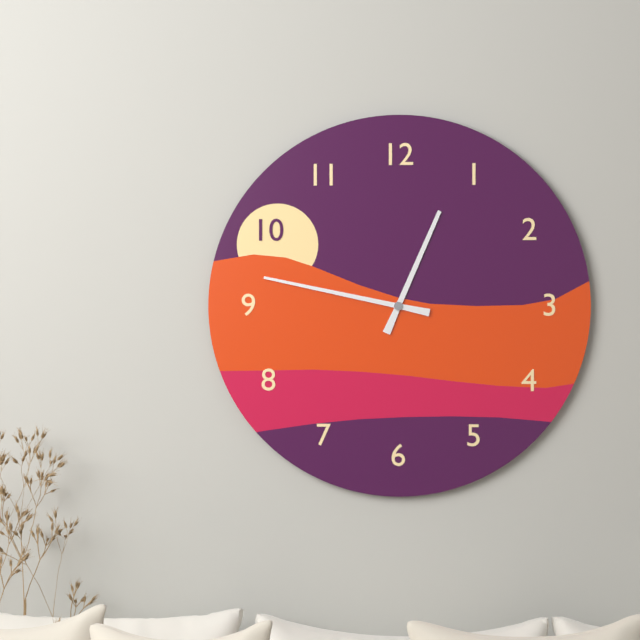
12:47
